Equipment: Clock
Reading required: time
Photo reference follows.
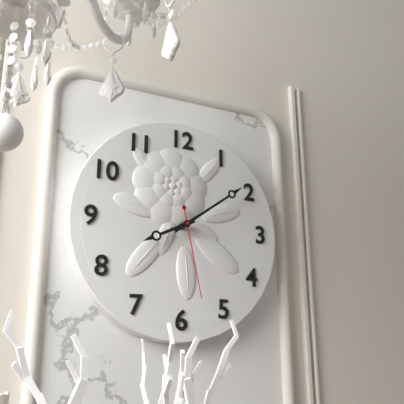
8:09:28
